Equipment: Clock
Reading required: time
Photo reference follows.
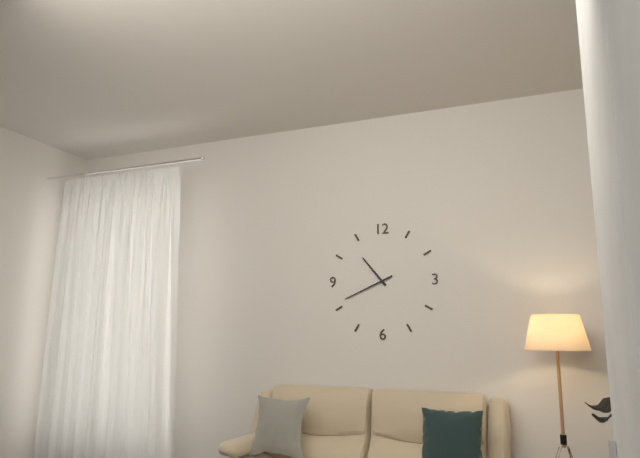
10:41
